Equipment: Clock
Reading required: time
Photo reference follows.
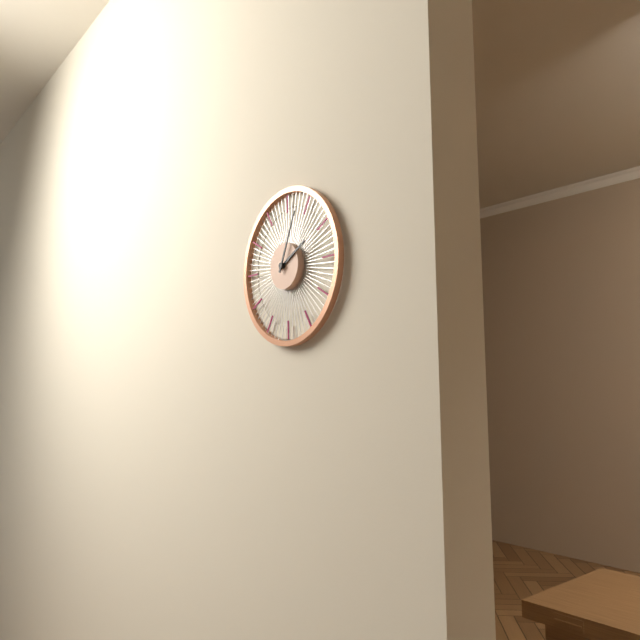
2:04
